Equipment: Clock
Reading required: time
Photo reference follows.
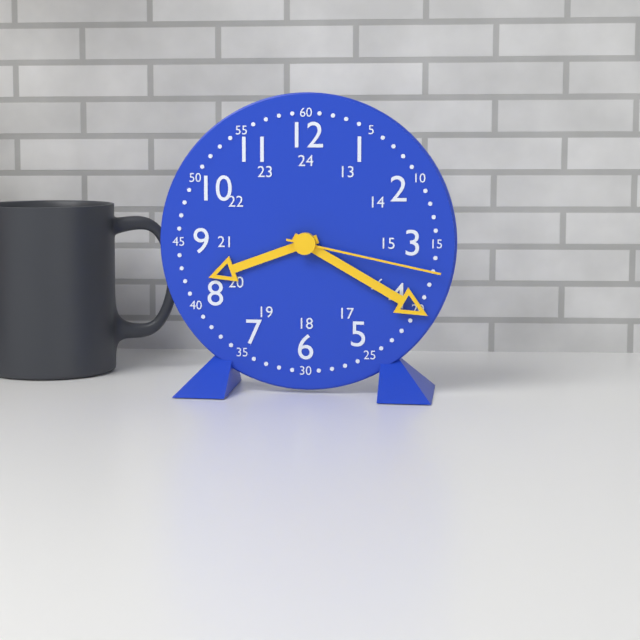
8:20:17
